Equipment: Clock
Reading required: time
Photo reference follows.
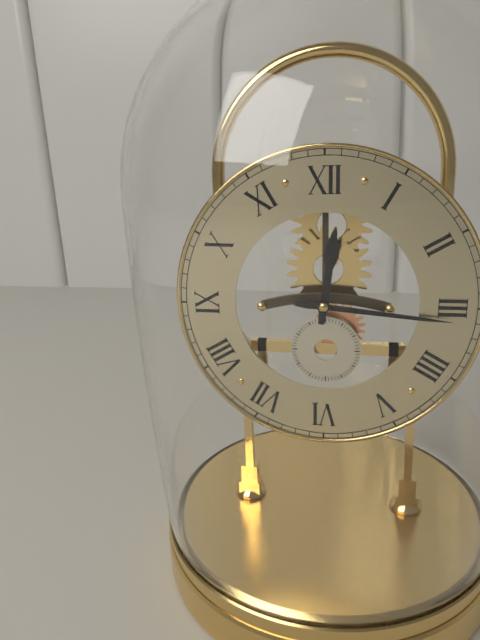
12:16
